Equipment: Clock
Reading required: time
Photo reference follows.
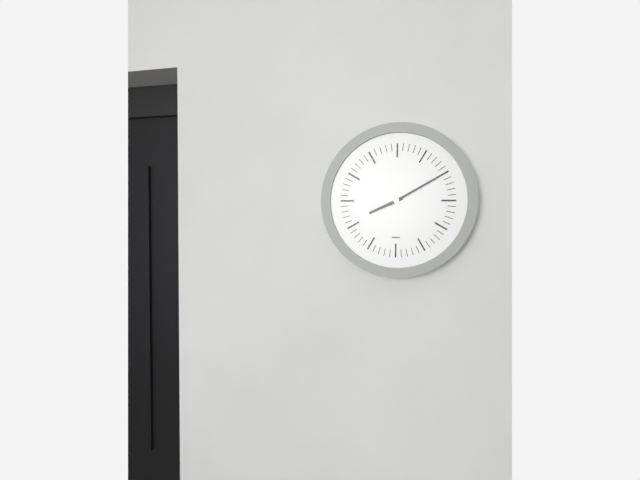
8:10
